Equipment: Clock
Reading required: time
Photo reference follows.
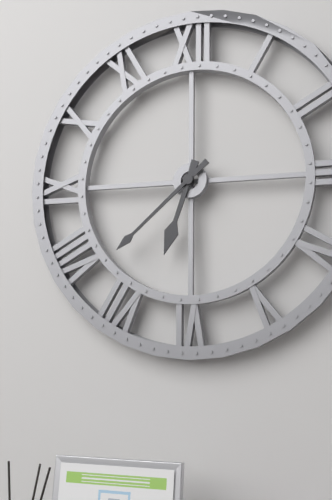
6:38
